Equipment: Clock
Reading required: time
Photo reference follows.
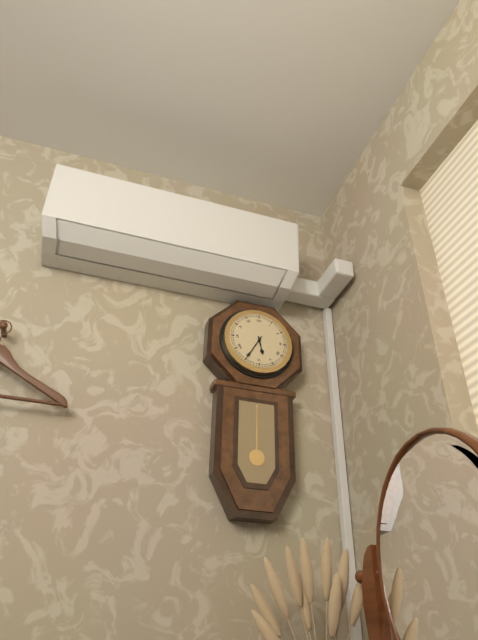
5:35
